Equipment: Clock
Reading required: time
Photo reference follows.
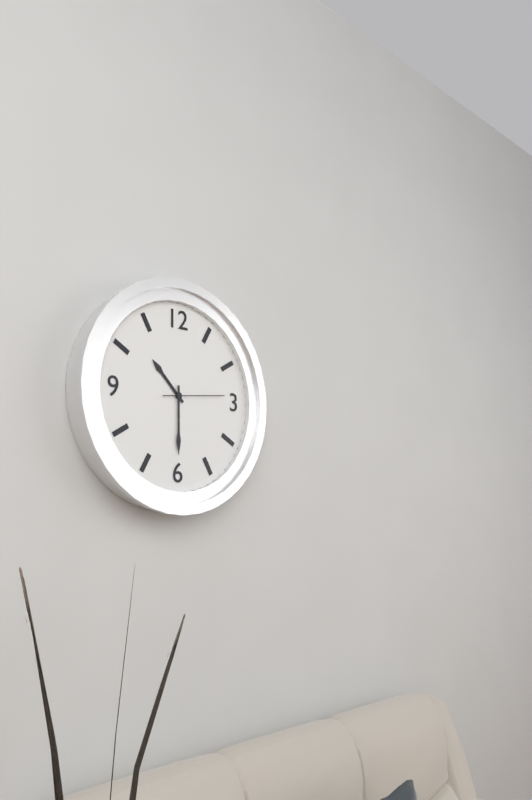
10:30:14
